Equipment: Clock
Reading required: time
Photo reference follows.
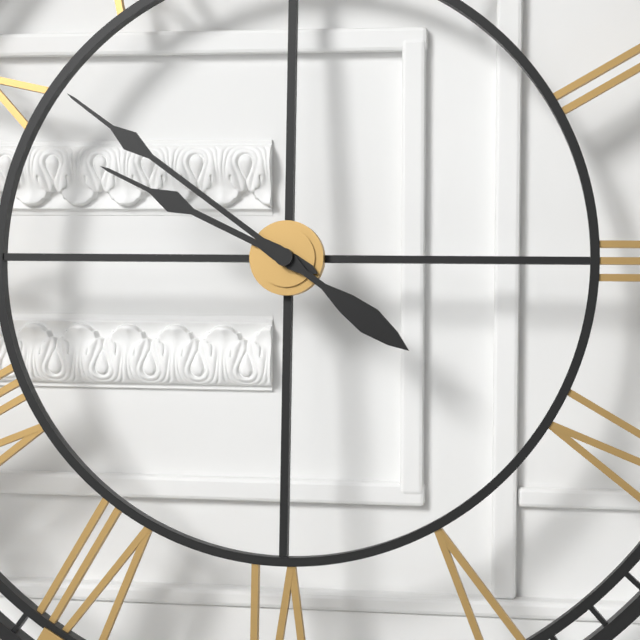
9:51
